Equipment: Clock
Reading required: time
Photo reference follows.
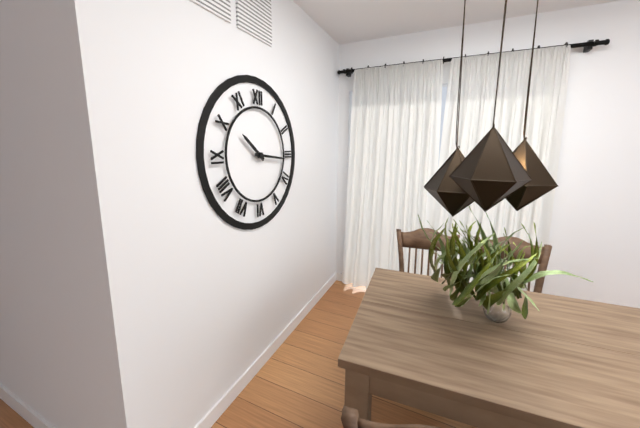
10:16
